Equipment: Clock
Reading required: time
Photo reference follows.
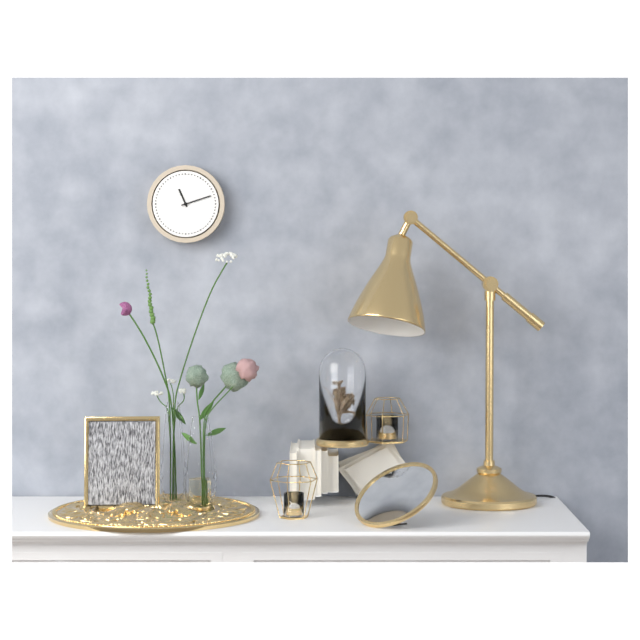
11:12
